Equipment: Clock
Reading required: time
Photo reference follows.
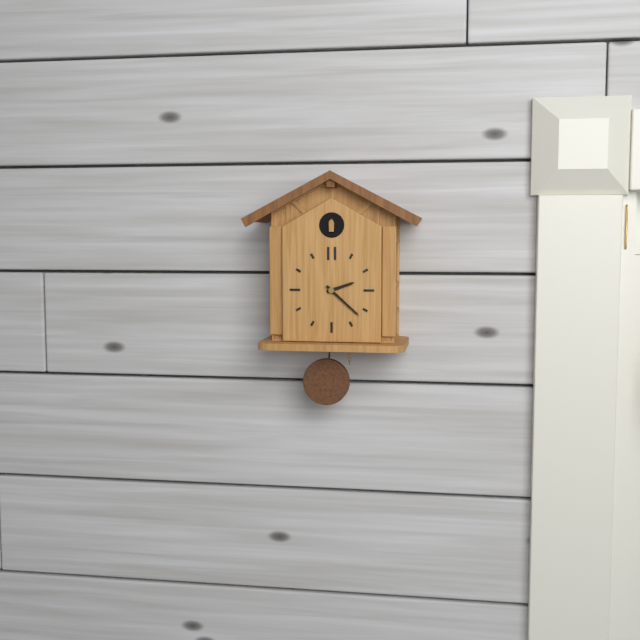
2:22
